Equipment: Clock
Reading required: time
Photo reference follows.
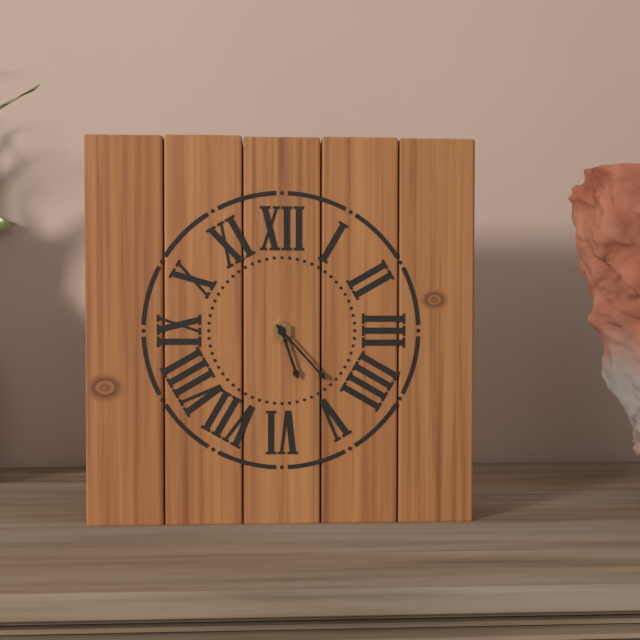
5:23
